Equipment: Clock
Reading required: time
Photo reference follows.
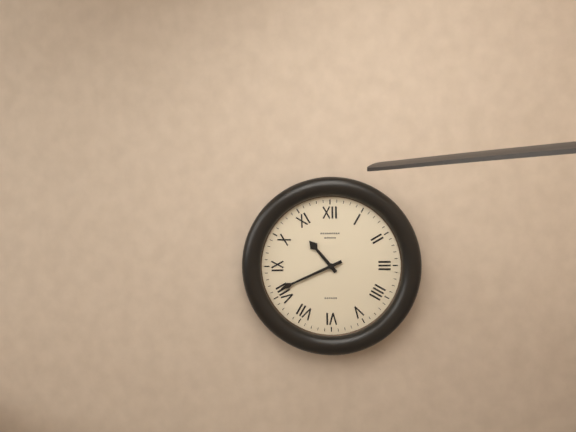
10:41
